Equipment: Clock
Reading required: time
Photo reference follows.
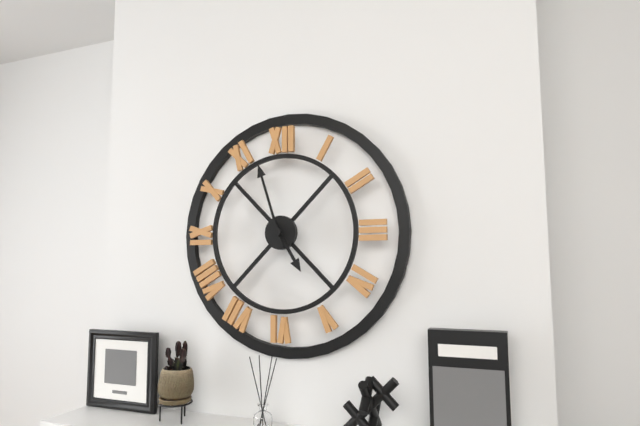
4:57
